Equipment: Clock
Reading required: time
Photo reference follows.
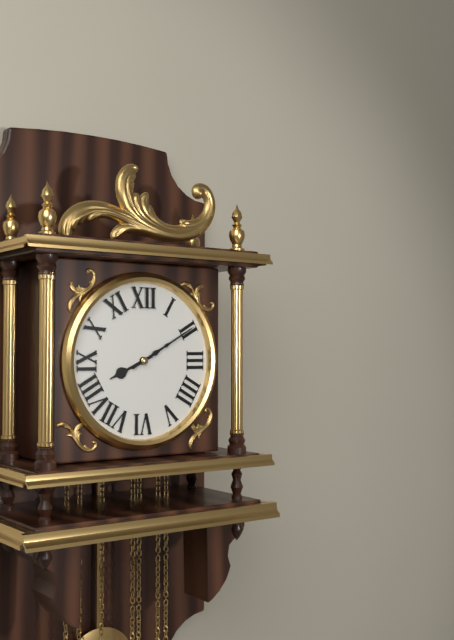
8:10
